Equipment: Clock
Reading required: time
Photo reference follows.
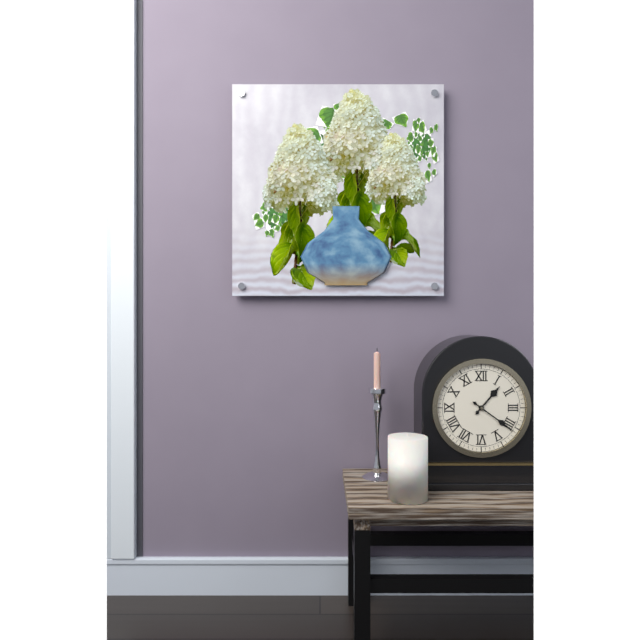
1:21
